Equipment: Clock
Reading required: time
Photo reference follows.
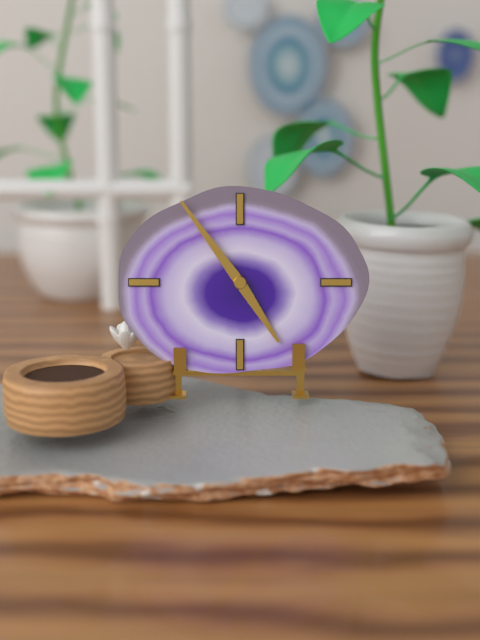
4:54
